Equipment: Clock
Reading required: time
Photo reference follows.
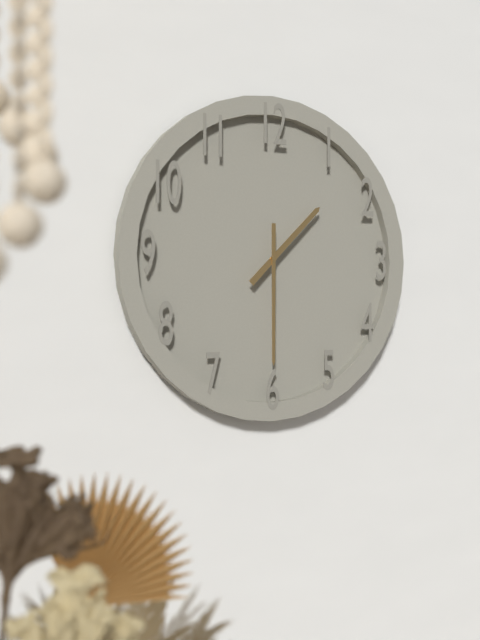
1:30
